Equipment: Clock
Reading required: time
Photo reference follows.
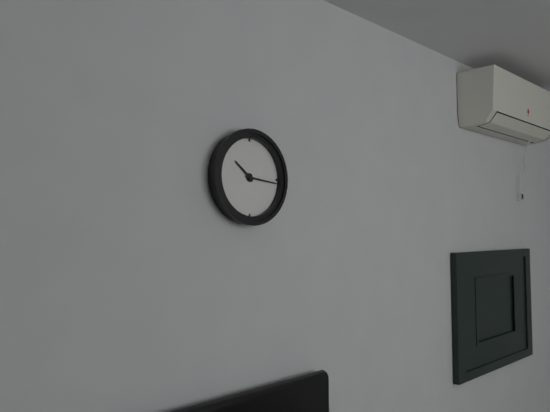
10:16
